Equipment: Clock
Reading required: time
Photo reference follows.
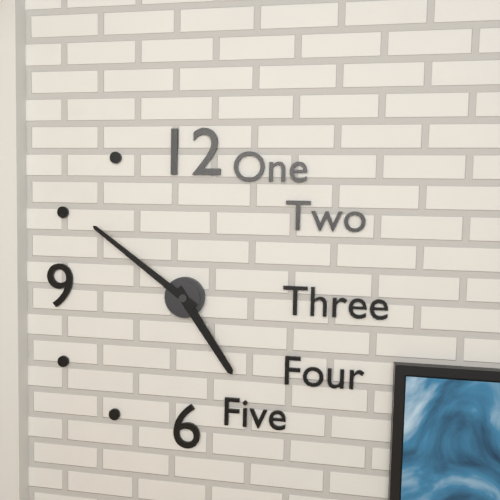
4:51
